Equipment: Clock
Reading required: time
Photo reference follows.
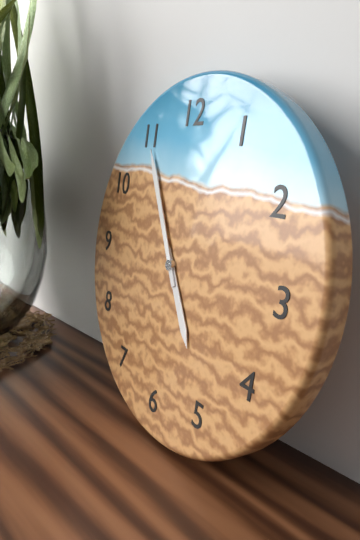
4:55
